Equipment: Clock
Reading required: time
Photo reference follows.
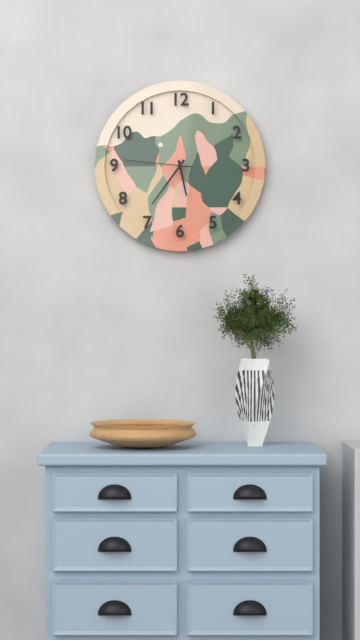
5:36:46
